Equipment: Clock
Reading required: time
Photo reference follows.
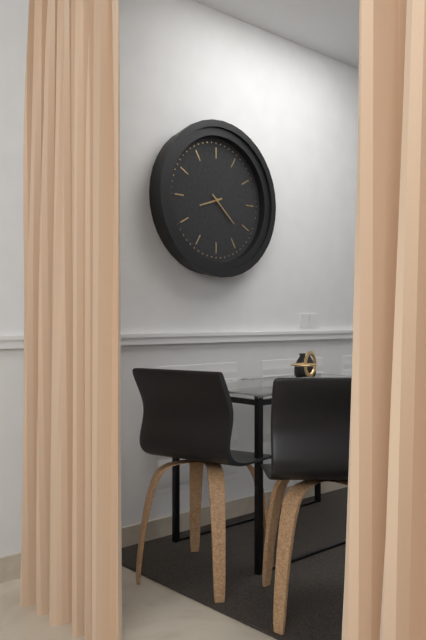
8:22
